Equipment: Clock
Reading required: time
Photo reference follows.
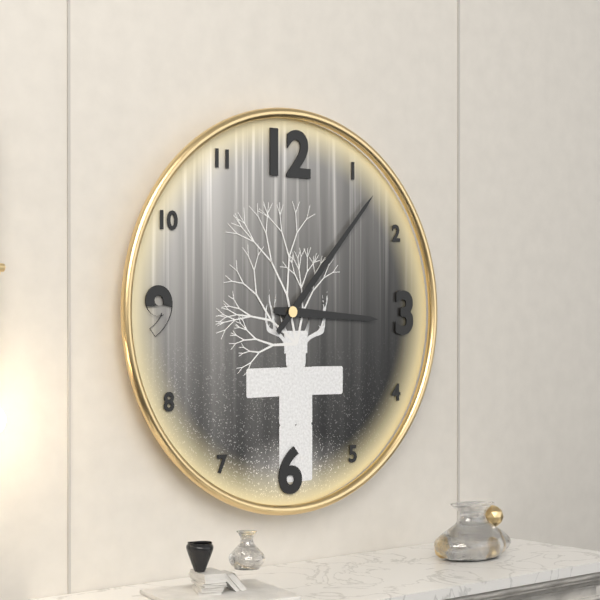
3:07
